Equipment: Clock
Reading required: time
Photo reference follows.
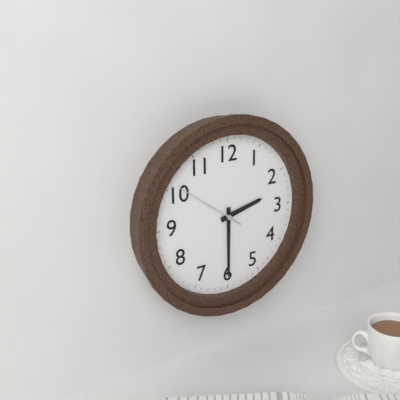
2:30:51
